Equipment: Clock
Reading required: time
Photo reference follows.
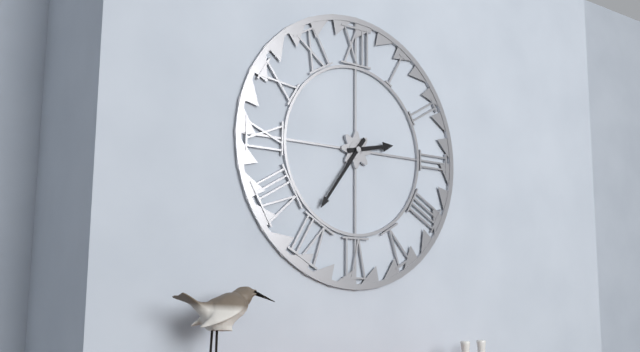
2:36
